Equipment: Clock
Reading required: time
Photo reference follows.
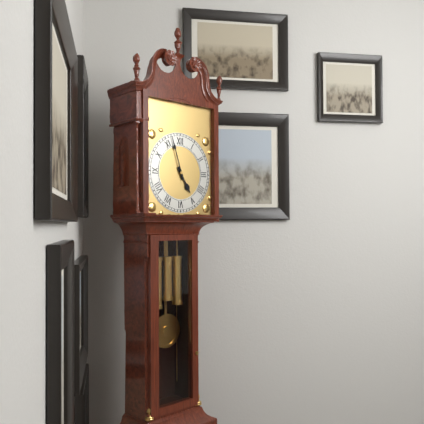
4:57
